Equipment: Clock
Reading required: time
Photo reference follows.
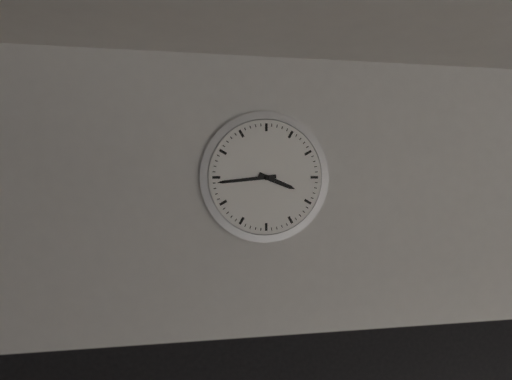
3:44
